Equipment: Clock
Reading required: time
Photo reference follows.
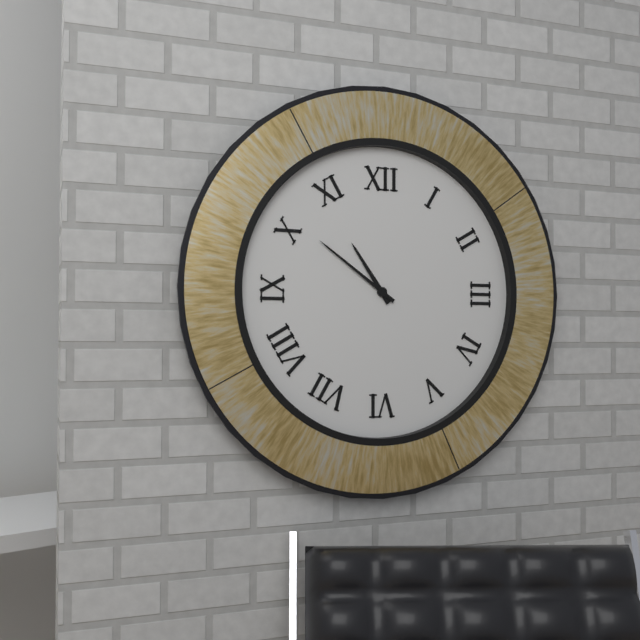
10:51
